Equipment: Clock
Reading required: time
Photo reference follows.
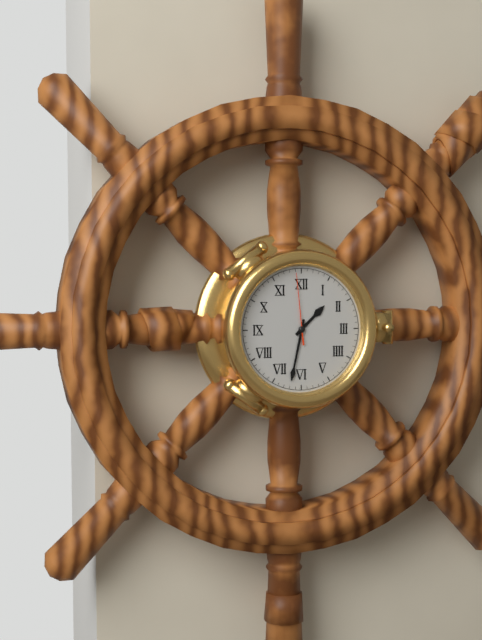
1:32:59
